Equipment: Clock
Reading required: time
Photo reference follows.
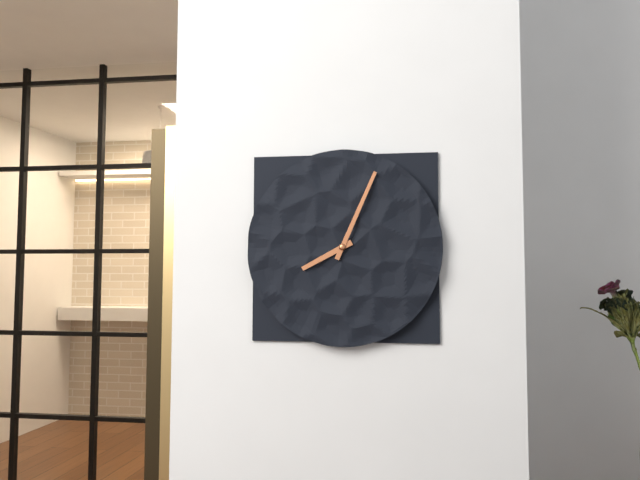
8:04
